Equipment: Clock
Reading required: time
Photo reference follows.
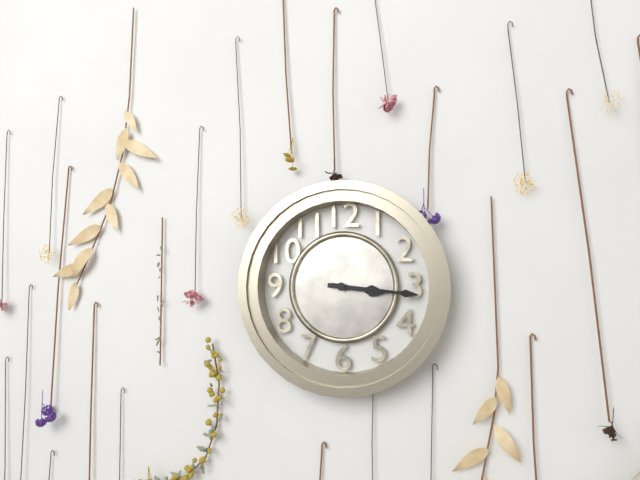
3:16
